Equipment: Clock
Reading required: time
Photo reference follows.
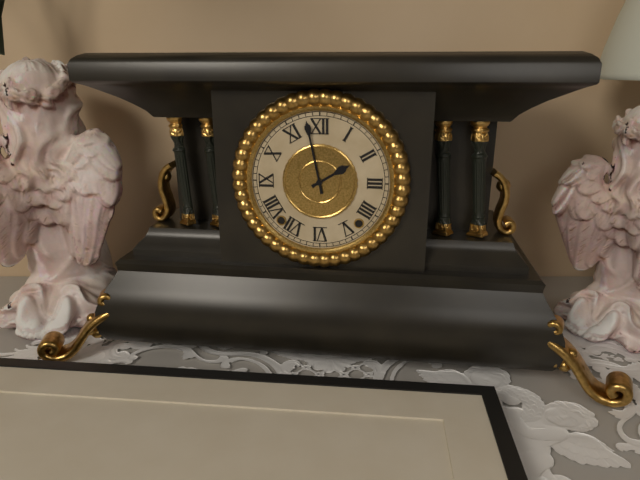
1:58
